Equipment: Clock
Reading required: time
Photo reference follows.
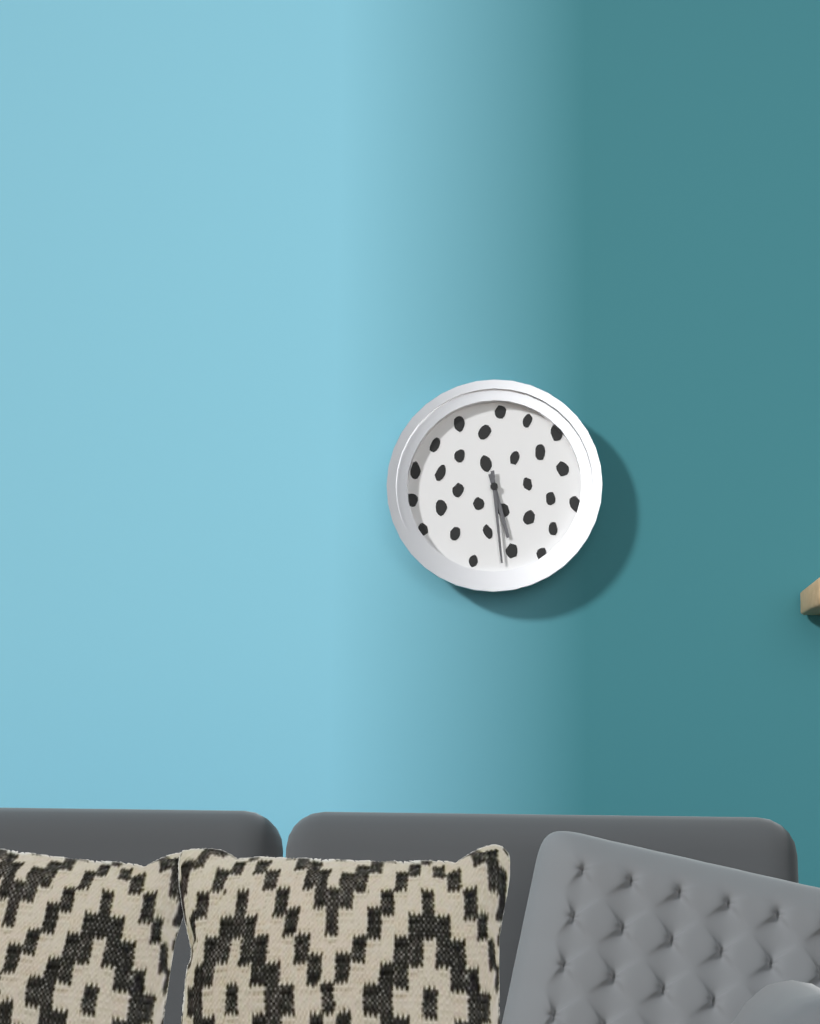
5:29
